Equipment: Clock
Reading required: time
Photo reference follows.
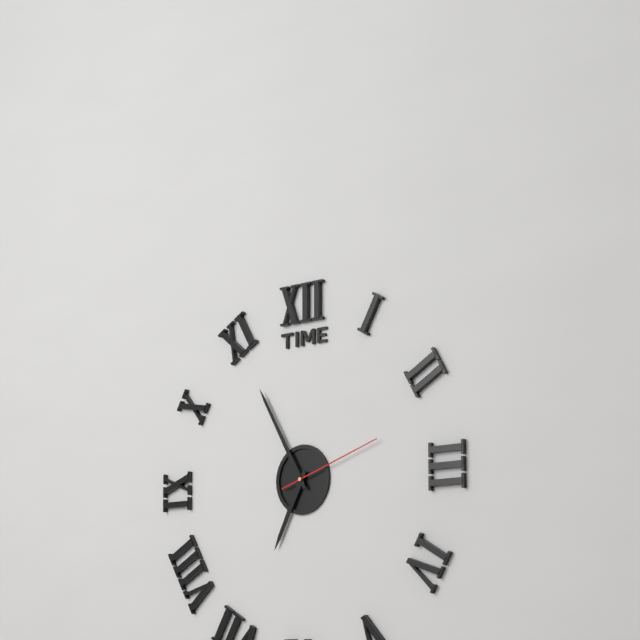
6:55:12
